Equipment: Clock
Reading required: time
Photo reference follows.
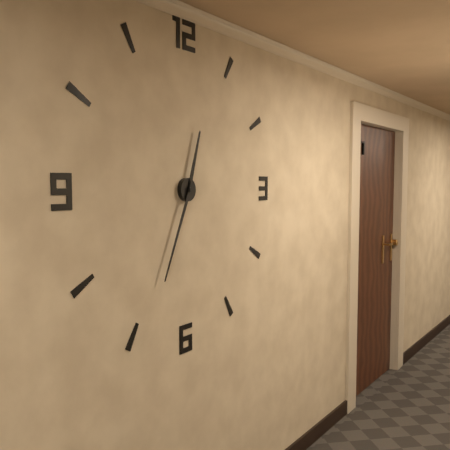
12:34
